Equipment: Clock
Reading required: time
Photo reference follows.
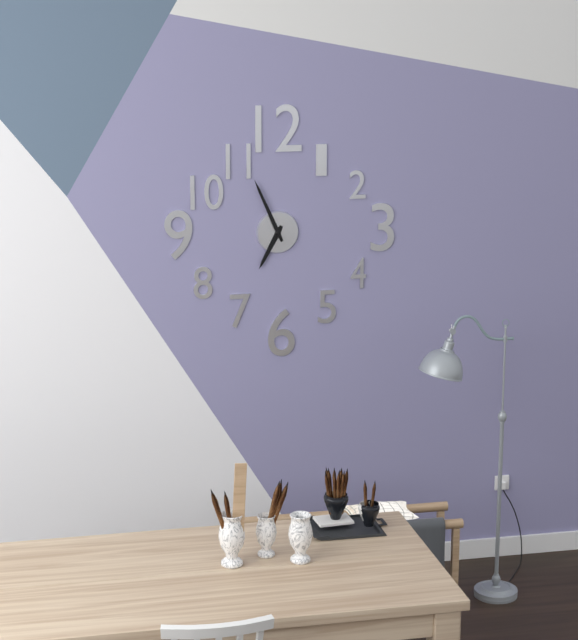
6:56
